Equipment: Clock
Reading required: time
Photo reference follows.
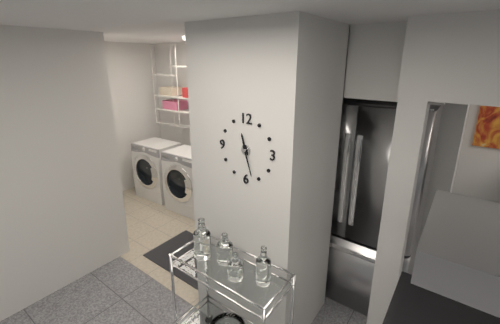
11:27
